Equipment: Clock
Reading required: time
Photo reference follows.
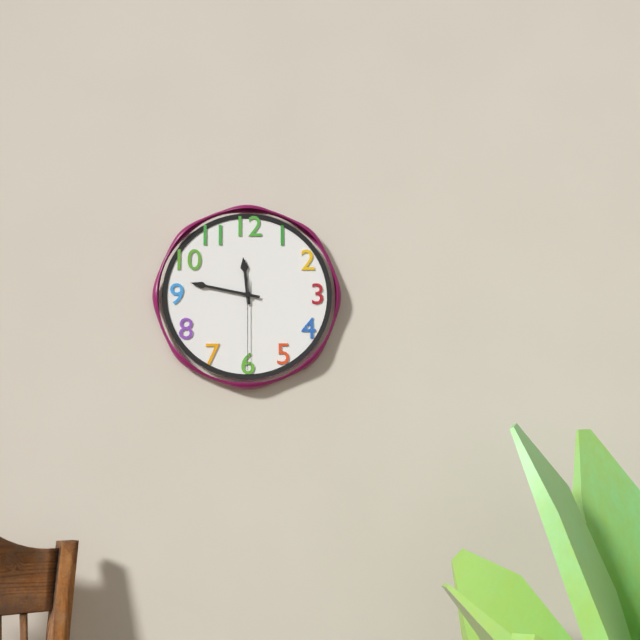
11:47:30
